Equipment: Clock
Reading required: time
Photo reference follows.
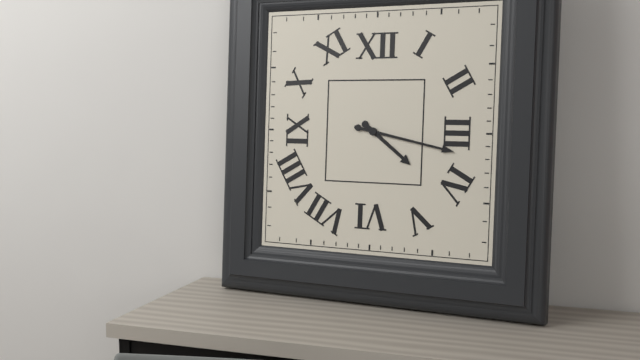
4:17
